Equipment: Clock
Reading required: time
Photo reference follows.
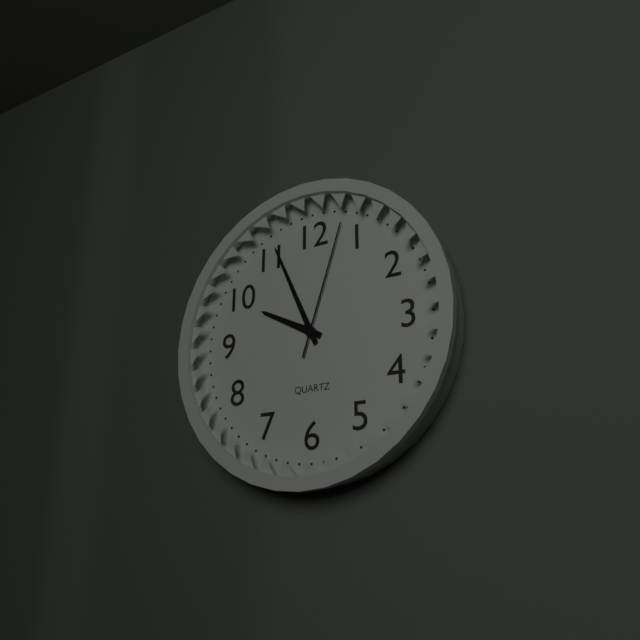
9:56:03
